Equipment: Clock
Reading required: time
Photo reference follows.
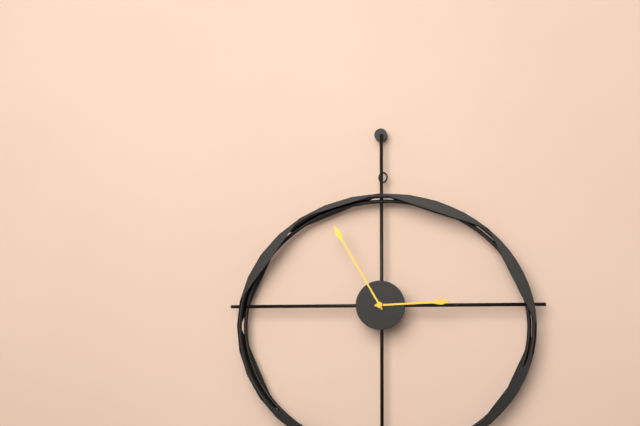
2:55
